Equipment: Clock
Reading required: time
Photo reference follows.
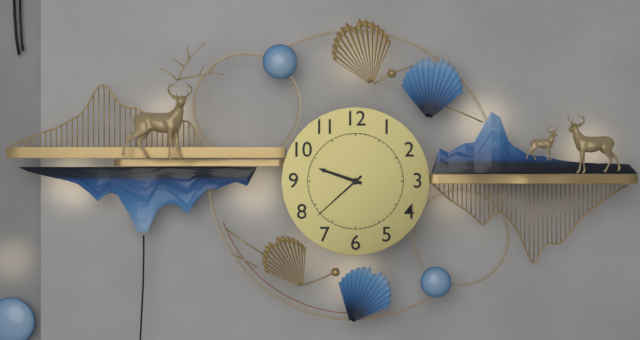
9:38
